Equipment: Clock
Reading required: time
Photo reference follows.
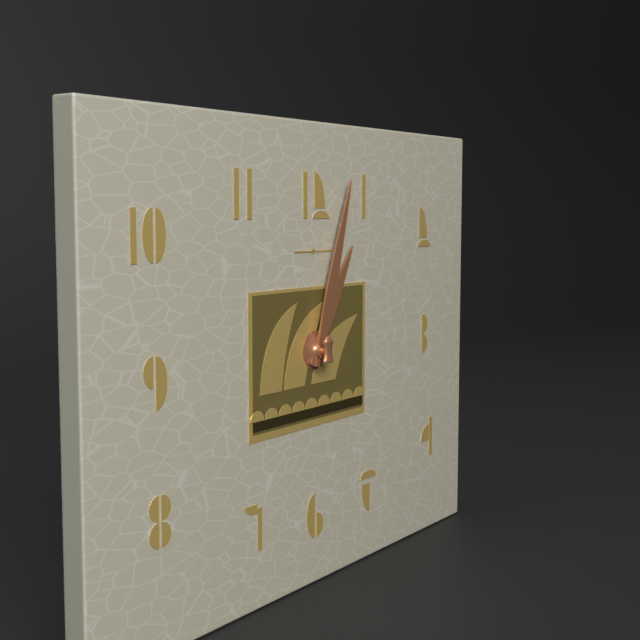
1:03
